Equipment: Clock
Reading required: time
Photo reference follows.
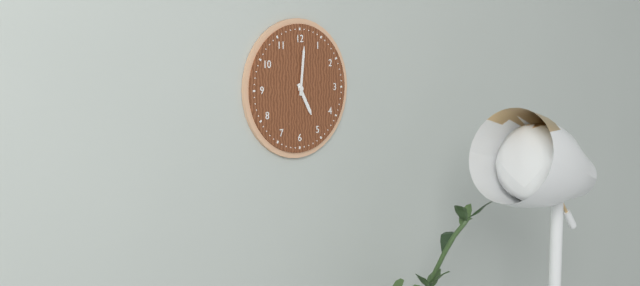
5:01
